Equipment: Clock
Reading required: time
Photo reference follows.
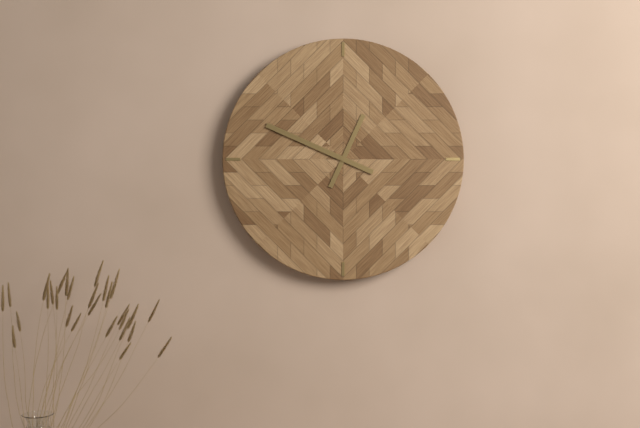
12:49
